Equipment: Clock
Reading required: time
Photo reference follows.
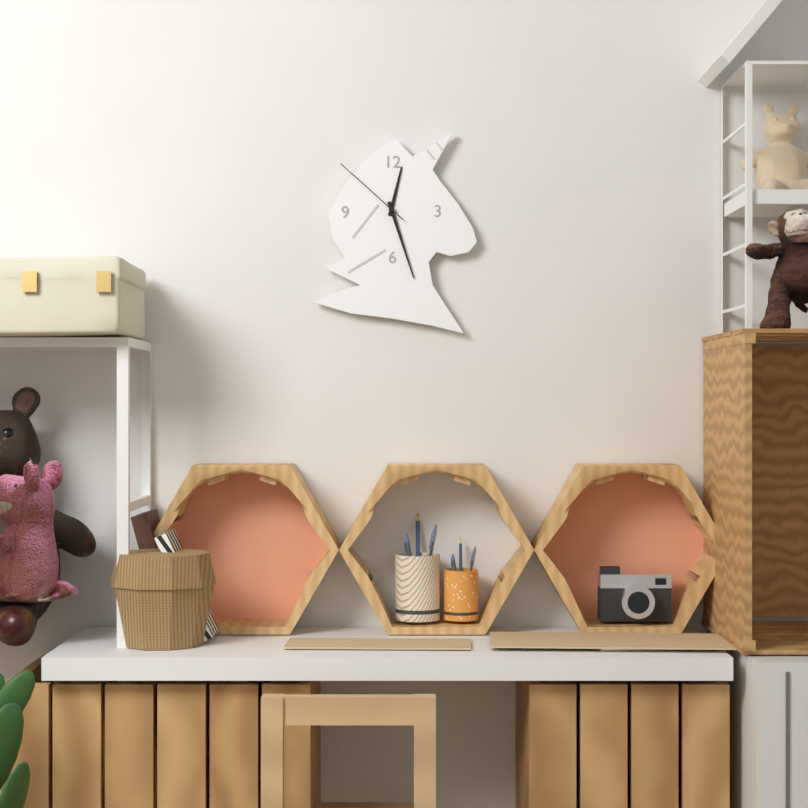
12:27:52
